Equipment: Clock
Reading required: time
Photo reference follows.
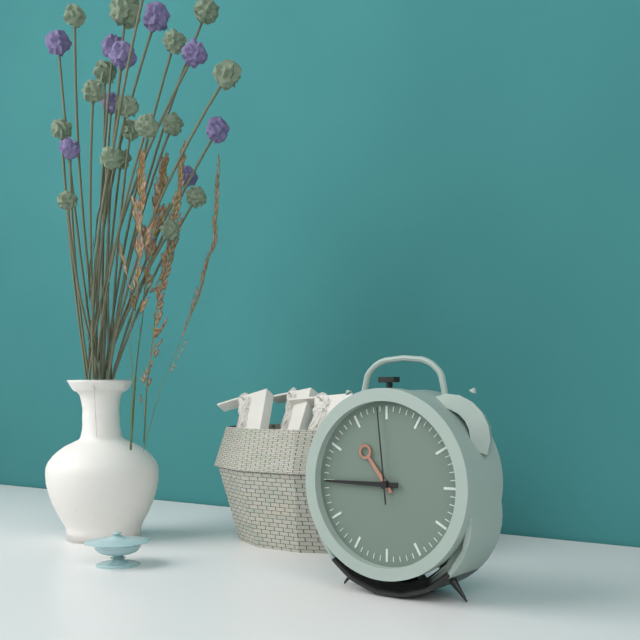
10:45:59
